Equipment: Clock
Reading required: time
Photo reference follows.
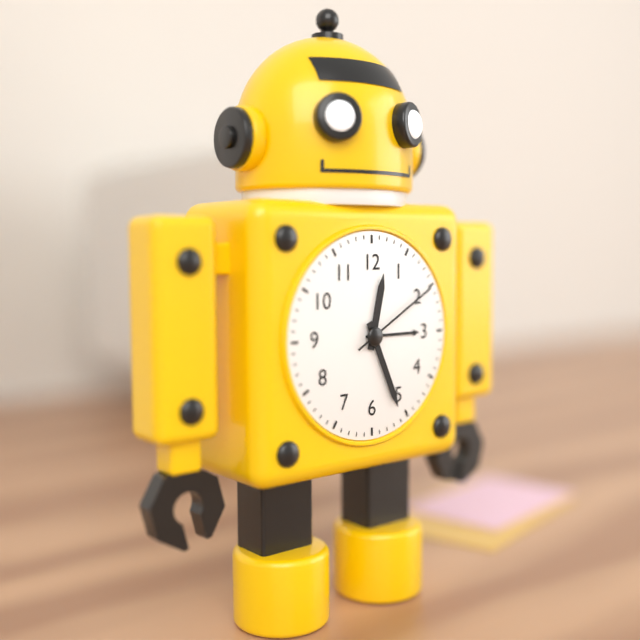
12:26:10
